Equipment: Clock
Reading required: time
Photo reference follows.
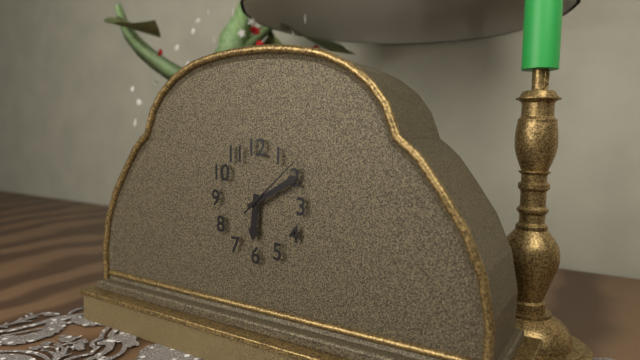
6:10:08
